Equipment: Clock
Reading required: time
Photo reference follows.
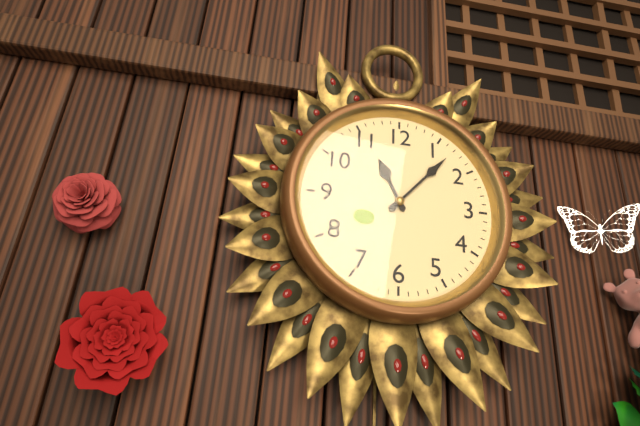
11:07
